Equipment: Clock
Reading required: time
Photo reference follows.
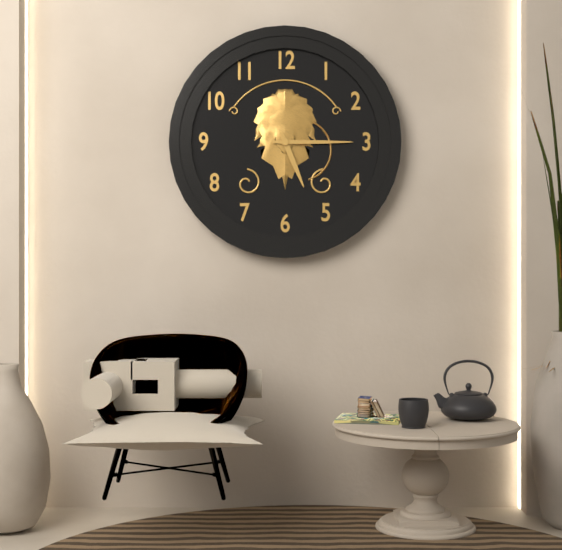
5:15
